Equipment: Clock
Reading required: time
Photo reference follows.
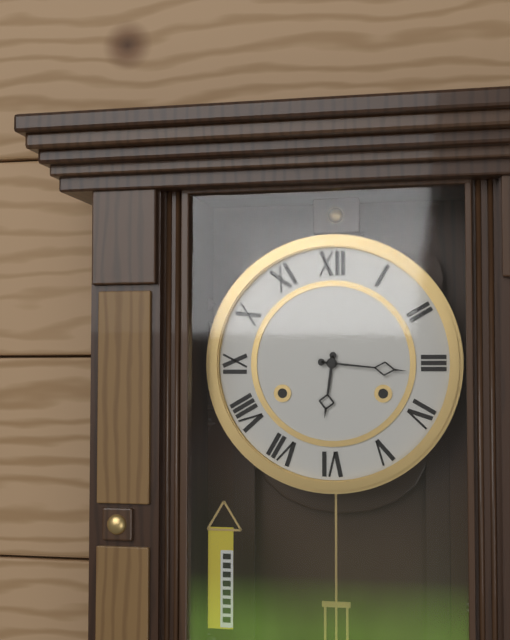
6:16
